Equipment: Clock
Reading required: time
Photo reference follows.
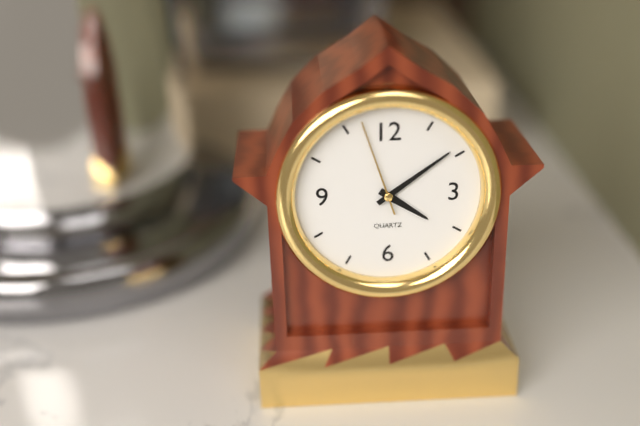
4:09:57
